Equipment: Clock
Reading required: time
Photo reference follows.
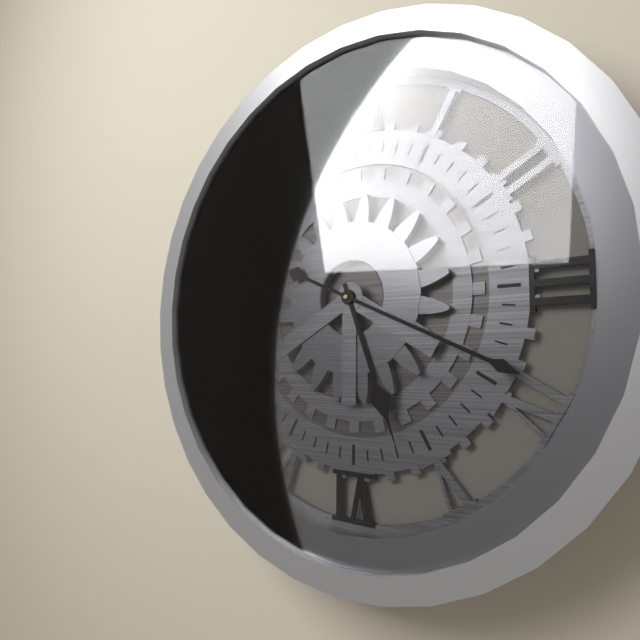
5:19
